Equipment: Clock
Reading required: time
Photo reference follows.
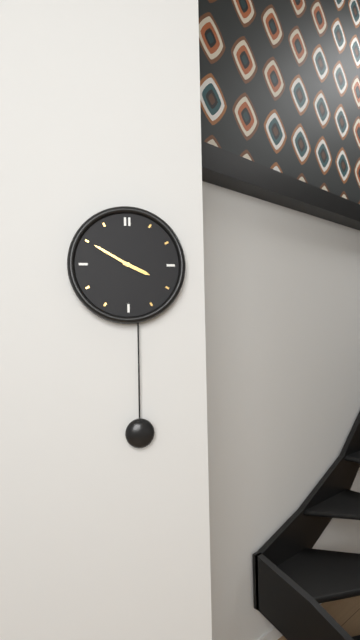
3:50
